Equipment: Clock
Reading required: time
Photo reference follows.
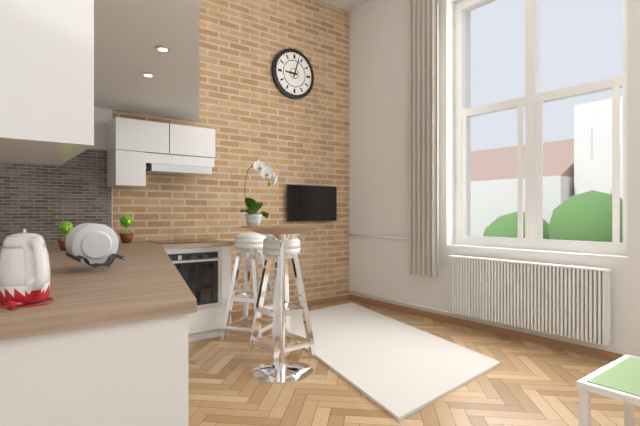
9:03
